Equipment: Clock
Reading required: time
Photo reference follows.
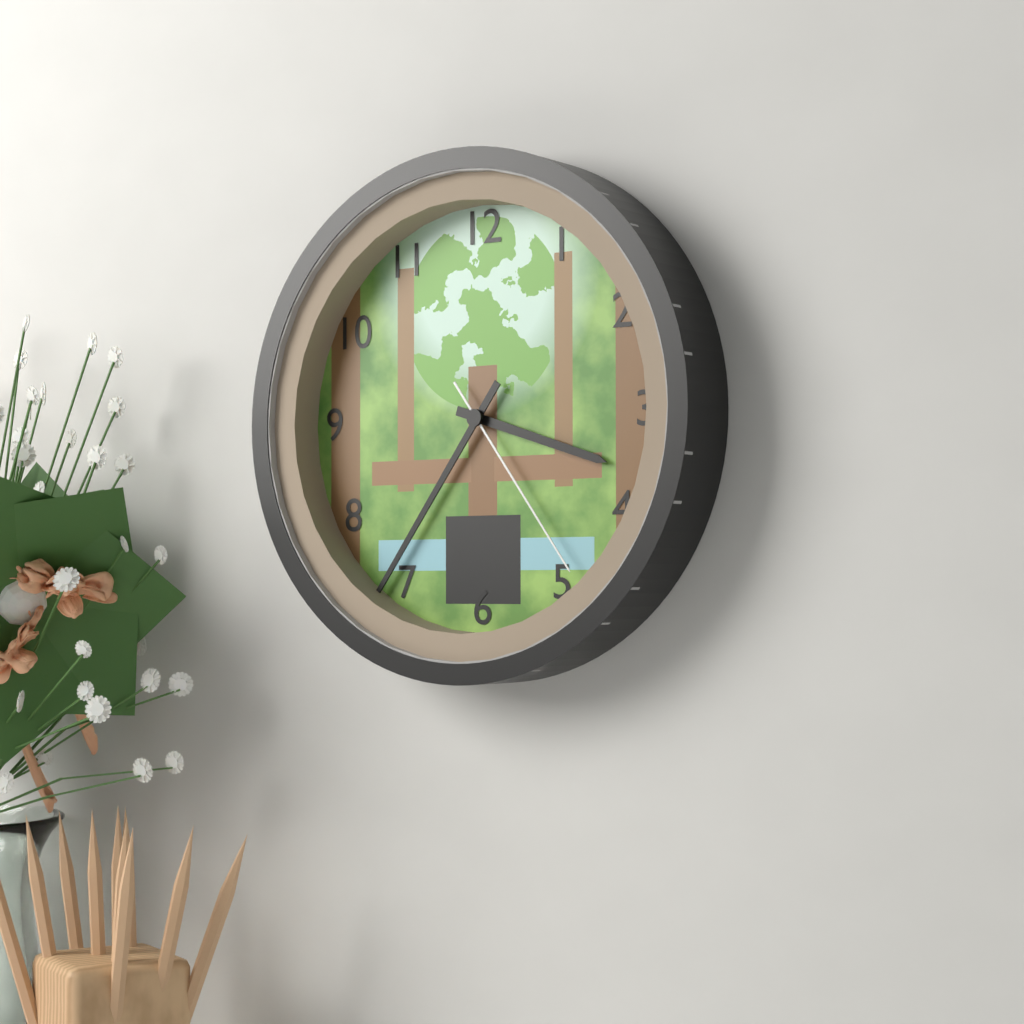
3:36:24
